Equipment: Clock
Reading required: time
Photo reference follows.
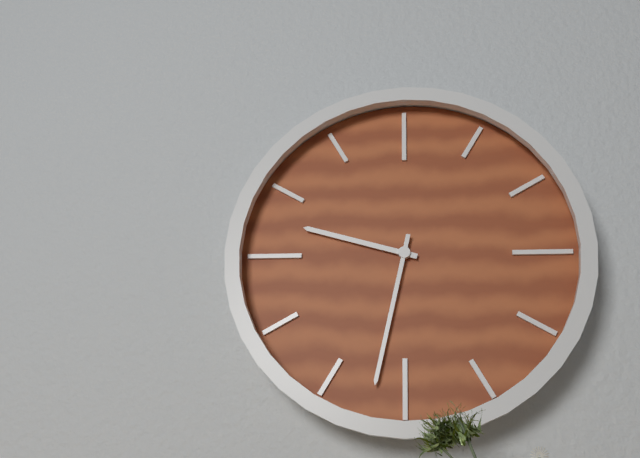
9:32
